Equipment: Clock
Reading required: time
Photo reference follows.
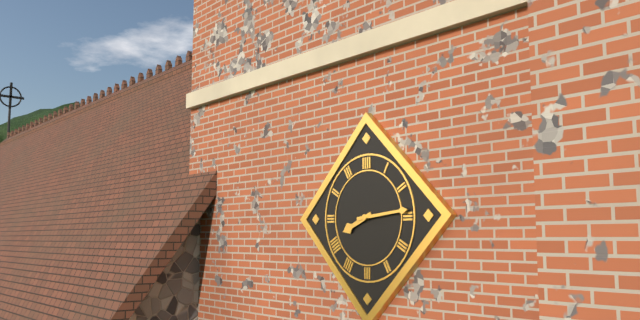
8:14
